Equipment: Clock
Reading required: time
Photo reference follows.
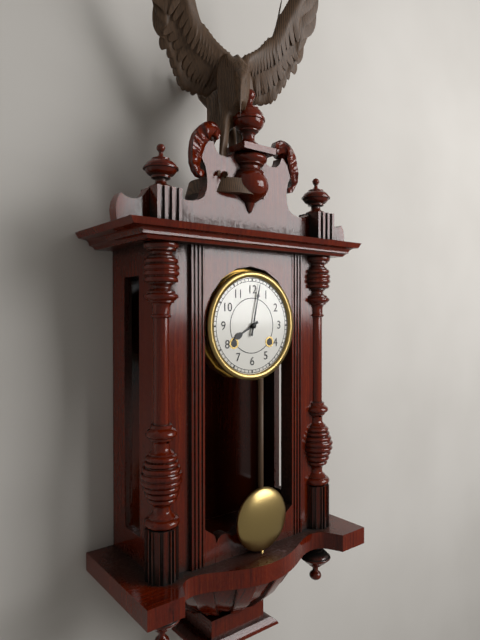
8:02
